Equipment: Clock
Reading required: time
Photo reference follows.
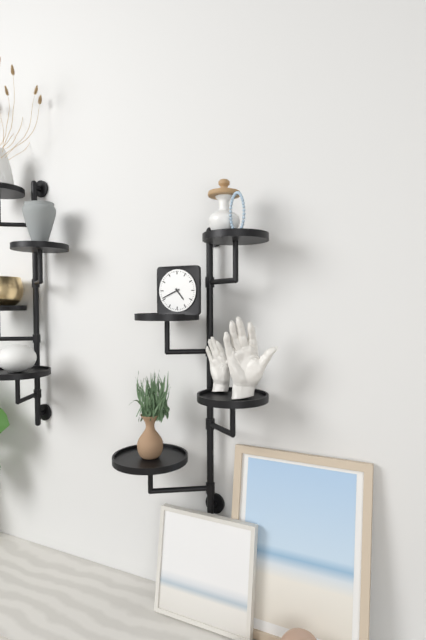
4:41
